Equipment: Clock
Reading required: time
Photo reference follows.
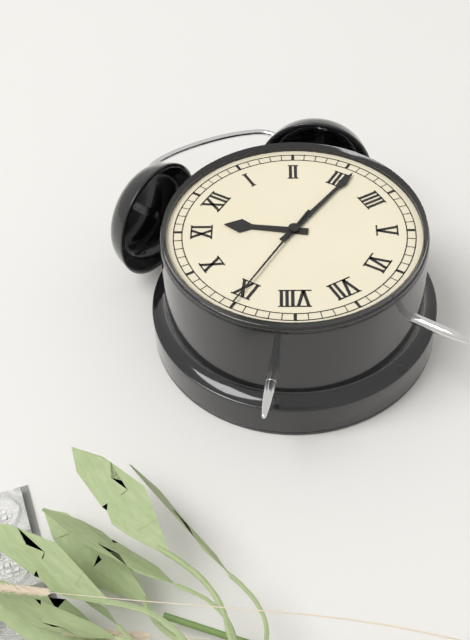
11:16:45
